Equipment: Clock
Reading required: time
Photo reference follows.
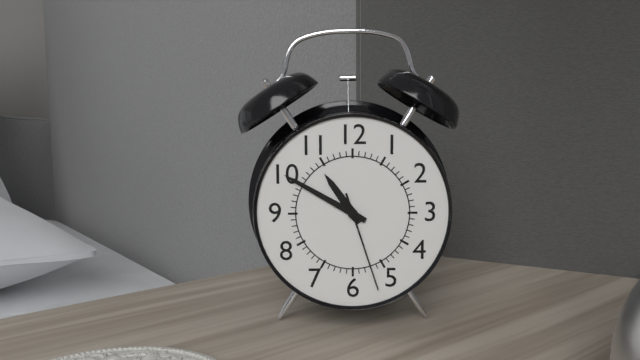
10:50:27
